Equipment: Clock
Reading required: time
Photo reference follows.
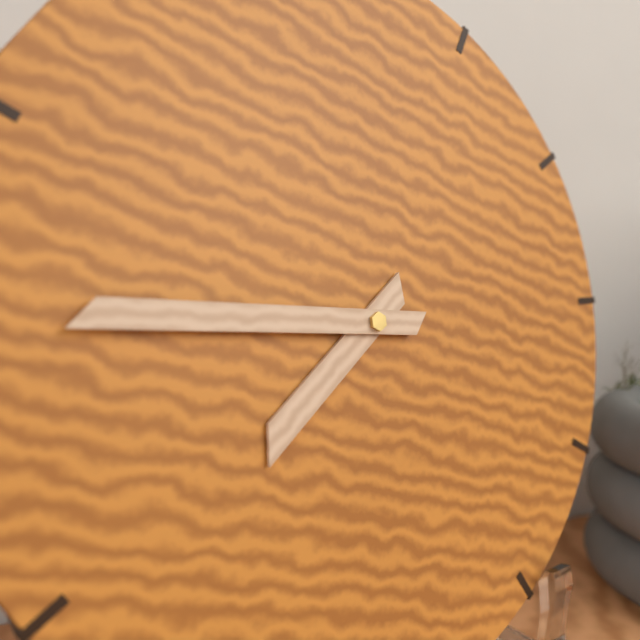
7:46
